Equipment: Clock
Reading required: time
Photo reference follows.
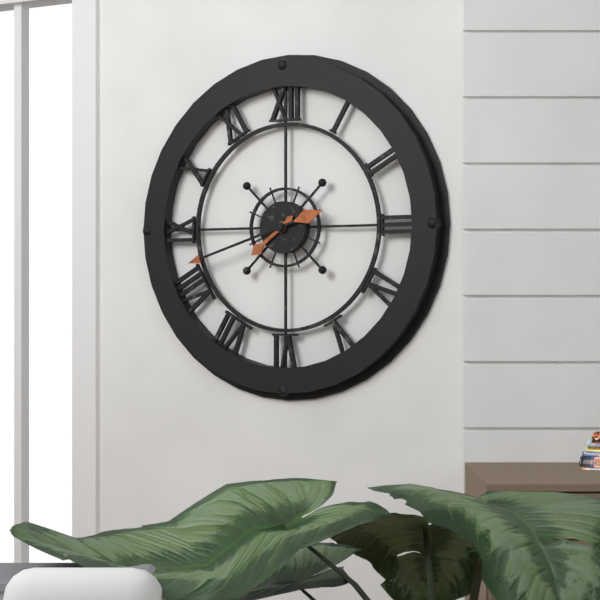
7:42
